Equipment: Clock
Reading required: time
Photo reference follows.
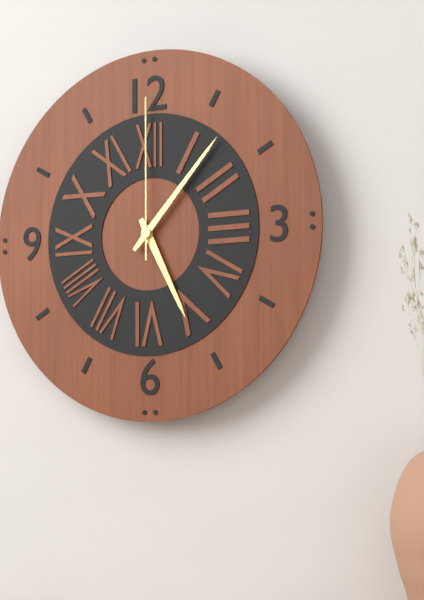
5:07:00
